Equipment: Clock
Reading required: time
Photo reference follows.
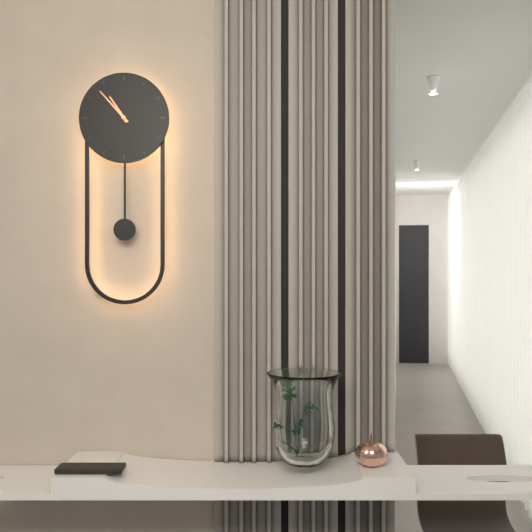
10:53
